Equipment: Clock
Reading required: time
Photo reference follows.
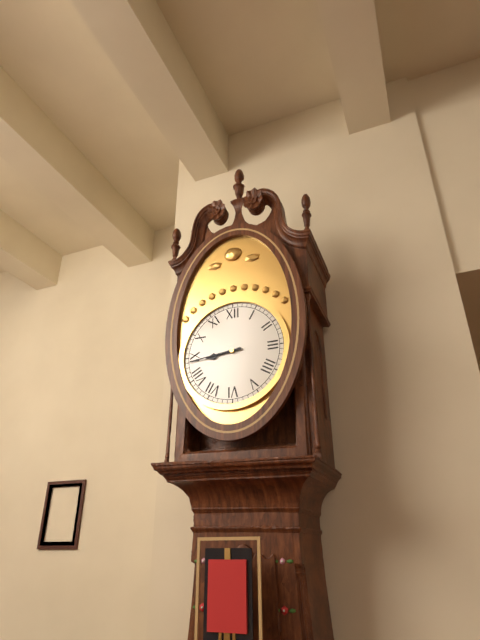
8:44
